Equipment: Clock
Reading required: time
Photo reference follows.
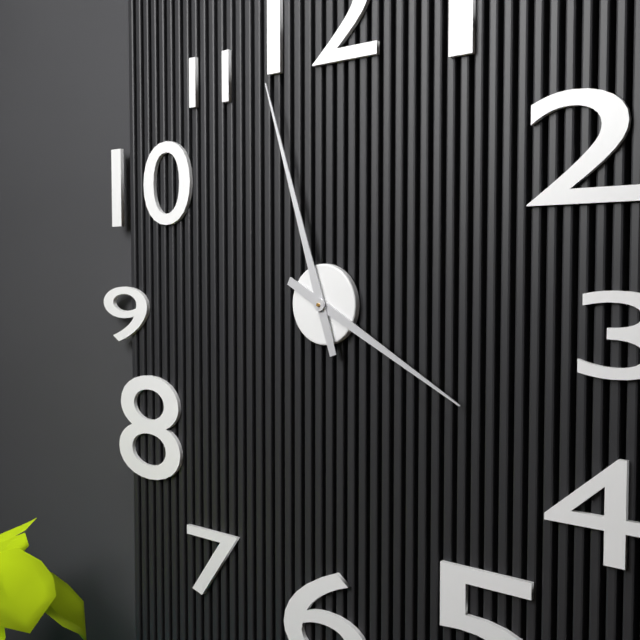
3:57
